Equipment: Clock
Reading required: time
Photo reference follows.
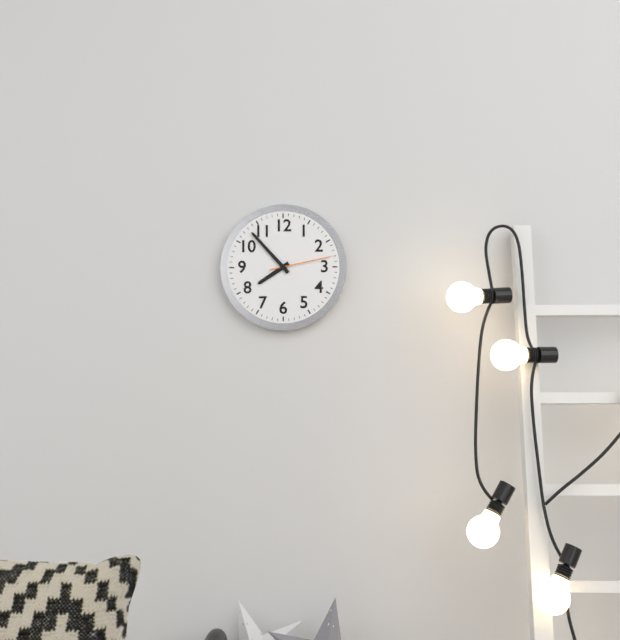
7:53:13
